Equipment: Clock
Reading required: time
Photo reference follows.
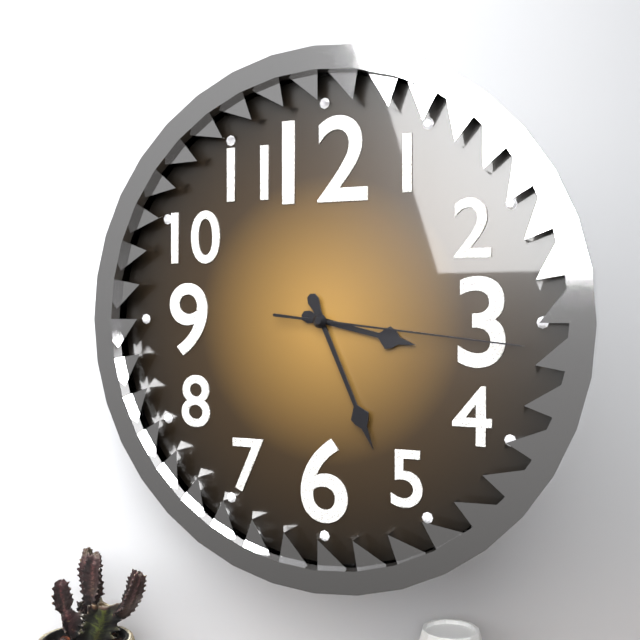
3:26:16
